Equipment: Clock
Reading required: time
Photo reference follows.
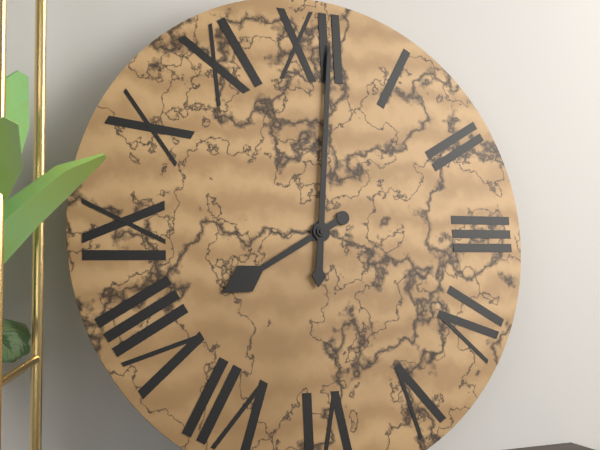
8:01
